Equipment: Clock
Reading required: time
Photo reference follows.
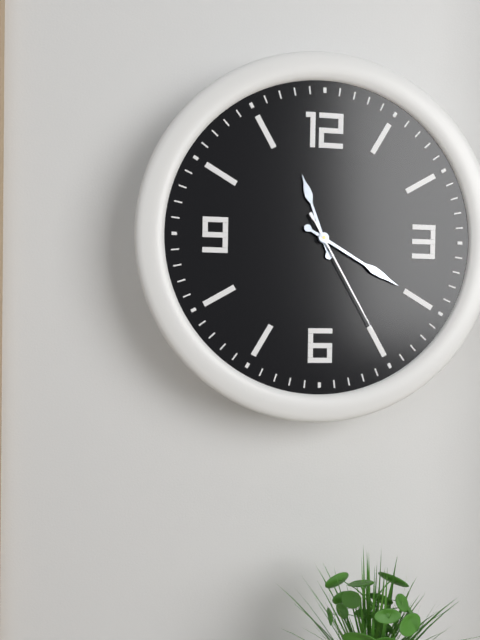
11:20:25
